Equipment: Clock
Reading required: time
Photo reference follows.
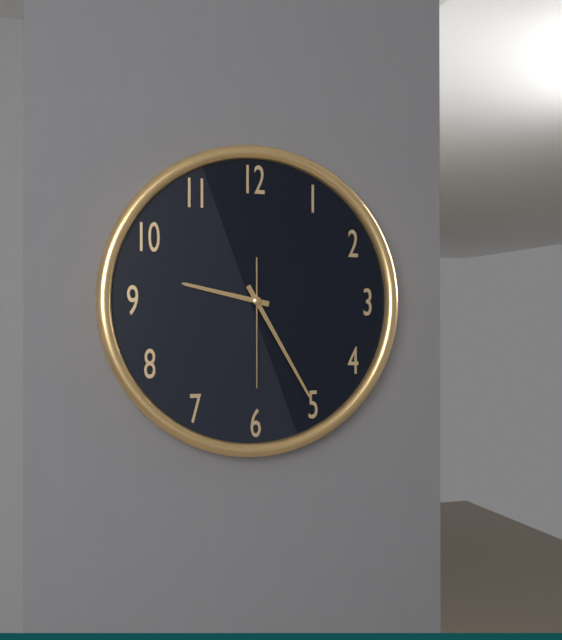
9:25:30
